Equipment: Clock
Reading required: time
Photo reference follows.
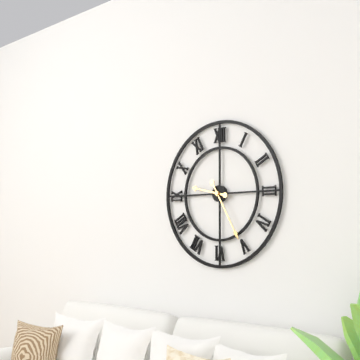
9:25
